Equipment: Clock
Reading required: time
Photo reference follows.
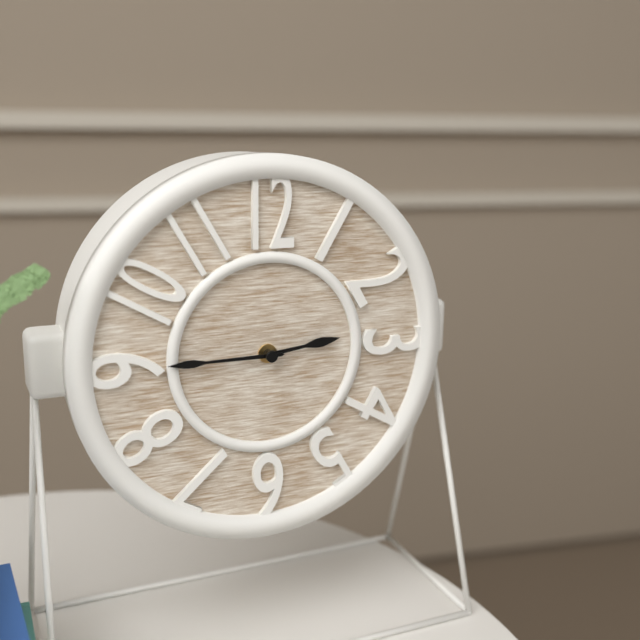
2:45
